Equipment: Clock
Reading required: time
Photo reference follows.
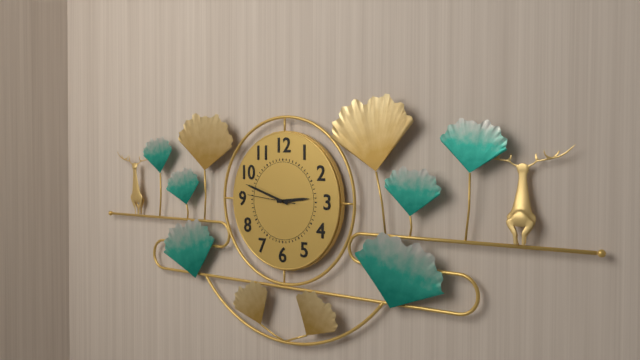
2:48
